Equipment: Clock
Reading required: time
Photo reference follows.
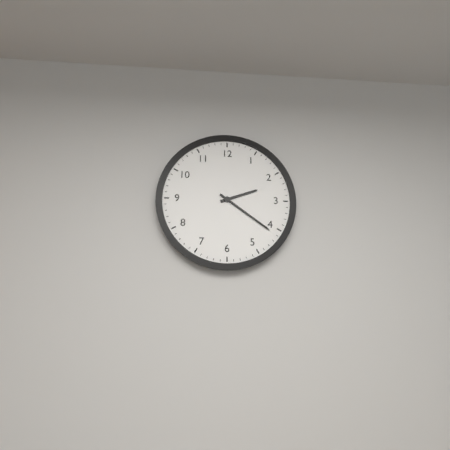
2:21
